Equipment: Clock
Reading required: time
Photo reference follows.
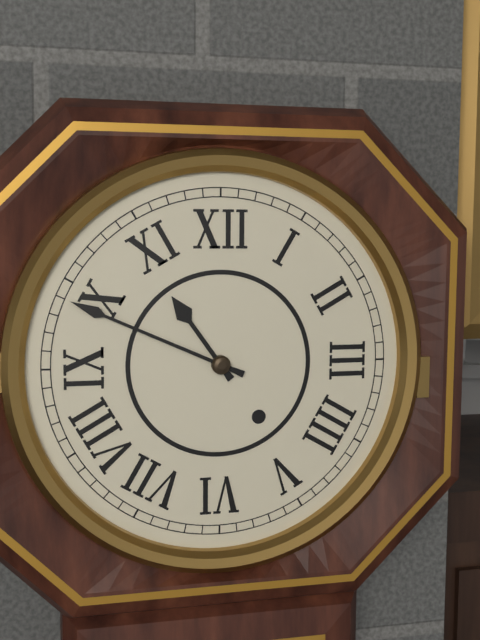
10:49
